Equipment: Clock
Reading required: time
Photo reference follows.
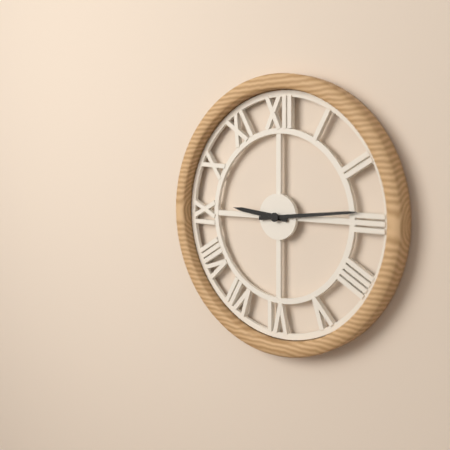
9:14
